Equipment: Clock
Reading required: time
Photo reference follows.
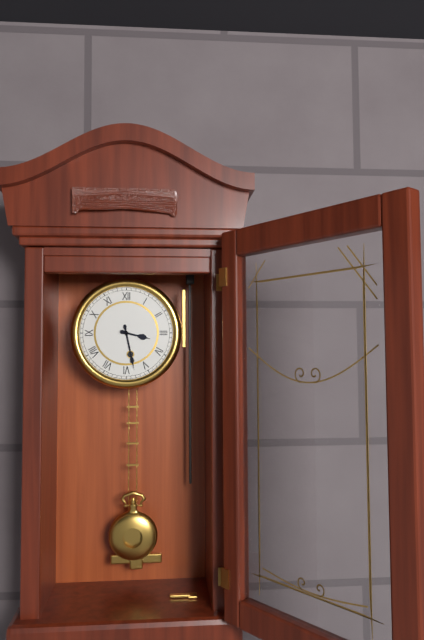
3:28
